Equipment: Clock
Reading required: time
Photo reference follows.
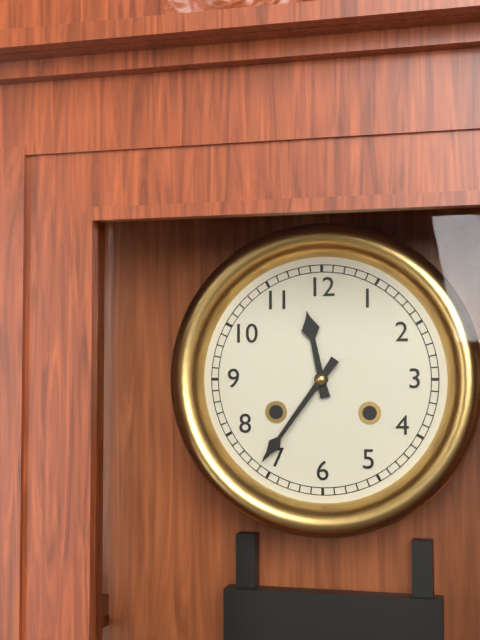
11:36
